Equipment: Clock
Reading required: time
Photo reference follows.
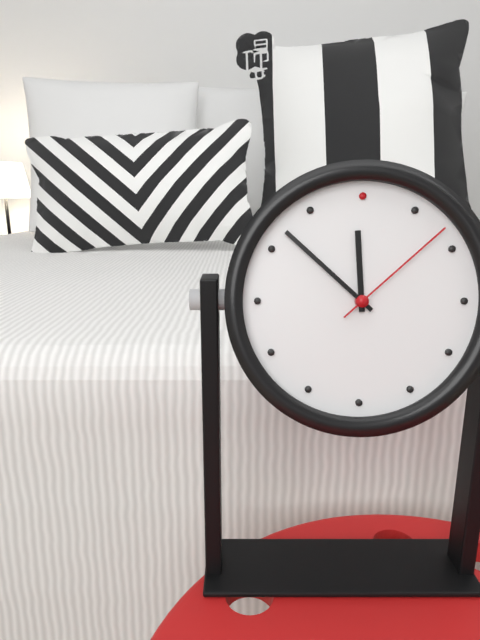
11:52:08
